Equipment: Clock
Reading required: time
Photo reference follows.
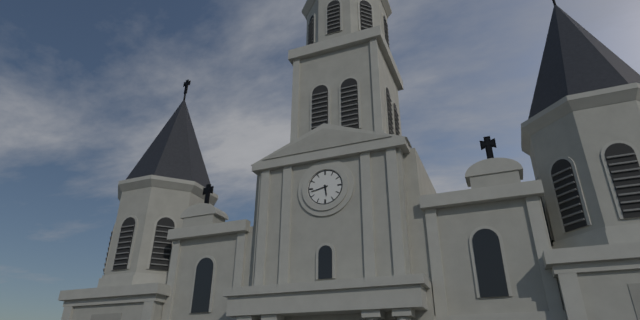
5:43
